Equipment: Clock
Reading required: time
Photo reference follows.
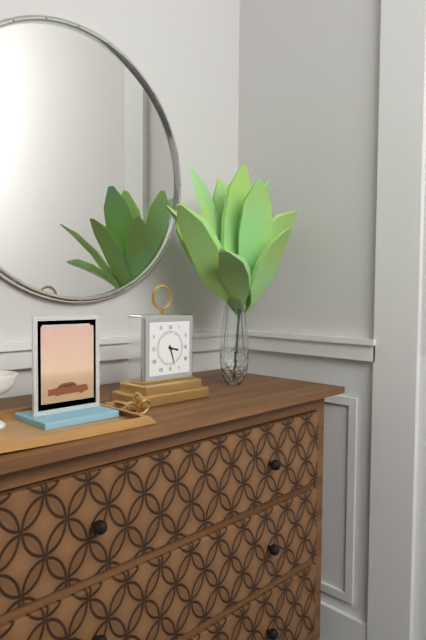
3:27
